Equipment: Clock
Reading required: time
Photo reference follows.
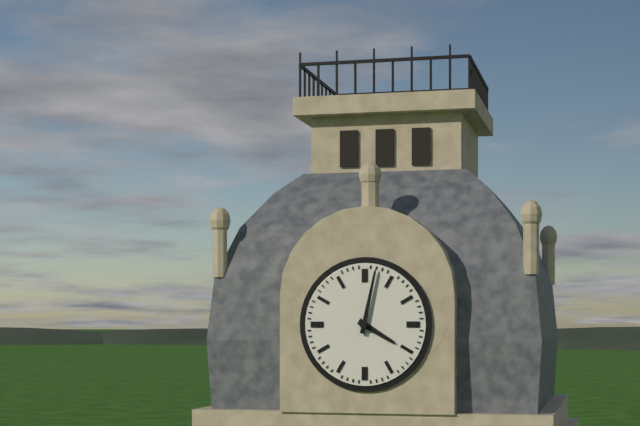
4:02
